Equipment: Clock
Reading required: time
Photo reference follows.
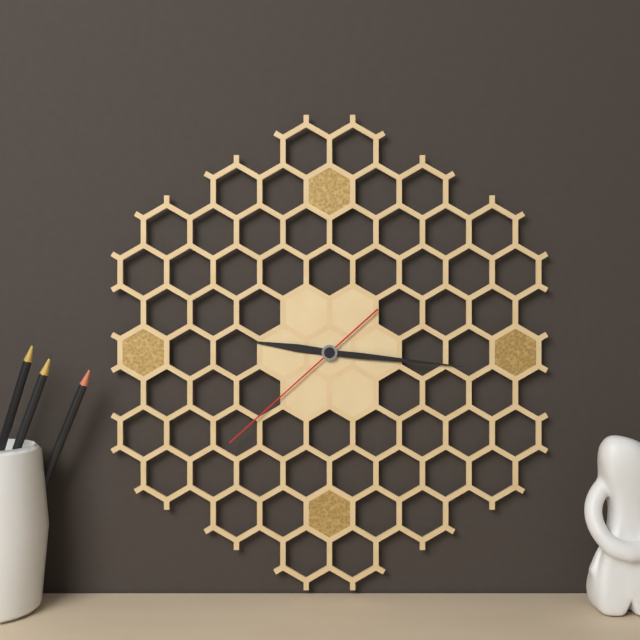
9:16:38
